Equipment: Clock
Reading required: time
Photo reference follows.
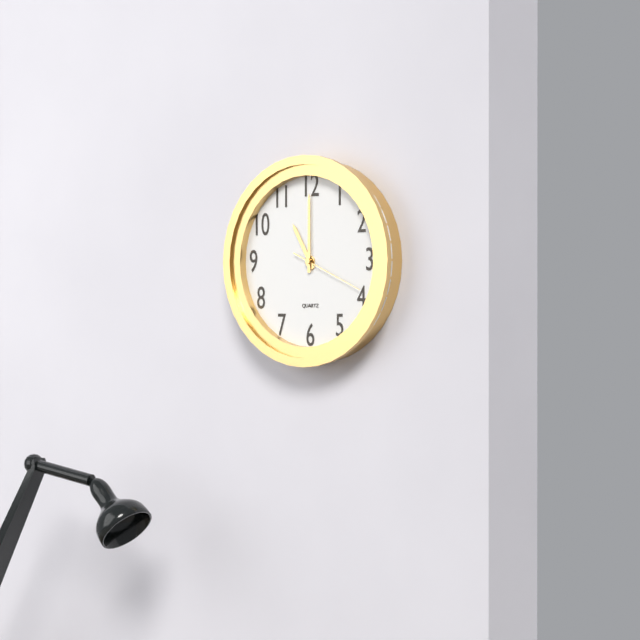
11:00:19
